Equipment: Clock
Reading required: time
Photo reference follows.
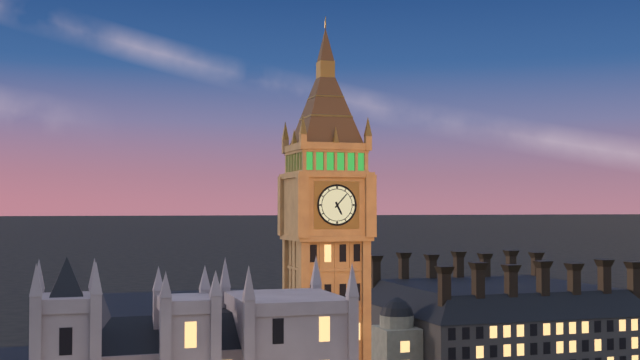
5:07
